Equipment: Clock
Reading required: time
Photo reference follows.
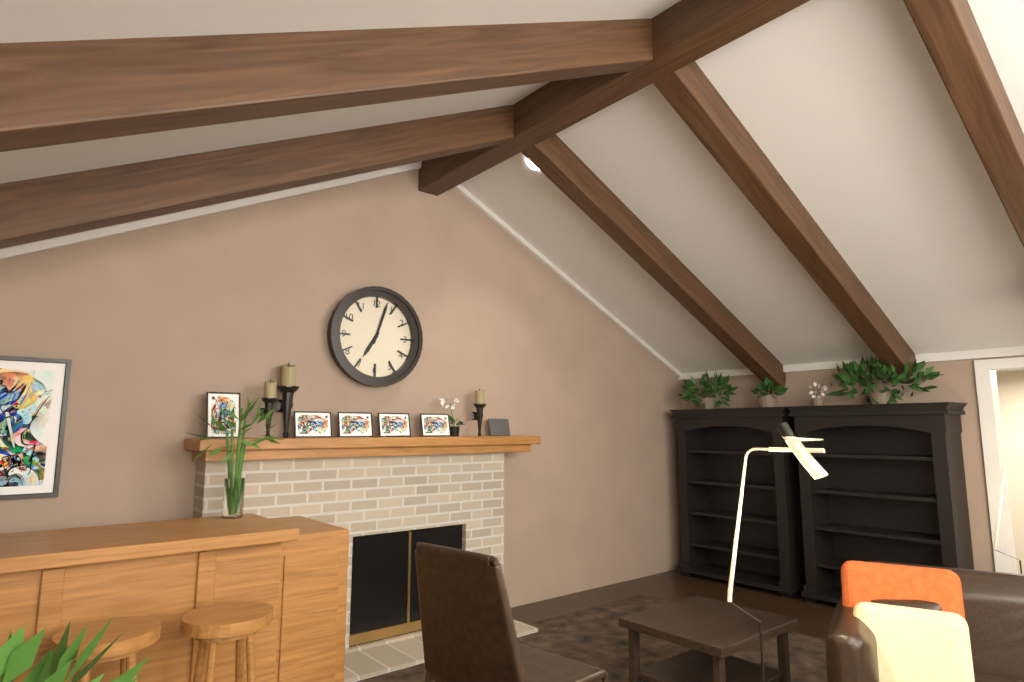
7:03
